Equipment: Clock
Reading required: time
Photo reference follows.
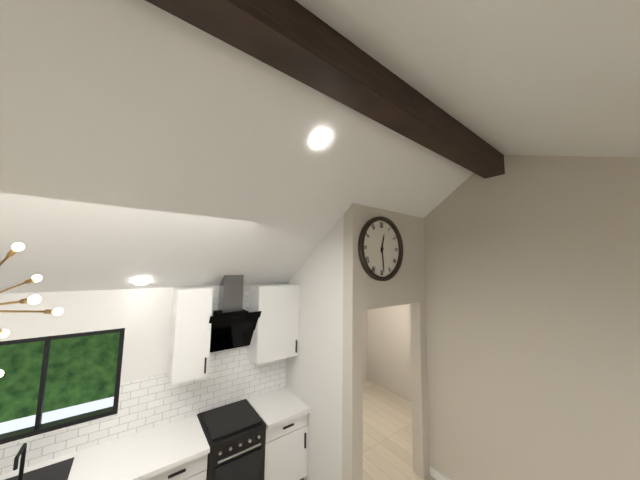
12:29
